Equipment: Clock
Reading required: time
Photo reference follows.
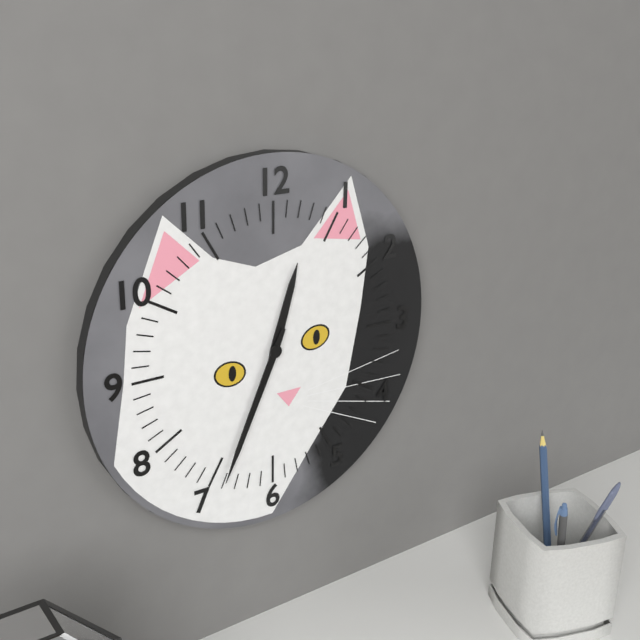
12:34
